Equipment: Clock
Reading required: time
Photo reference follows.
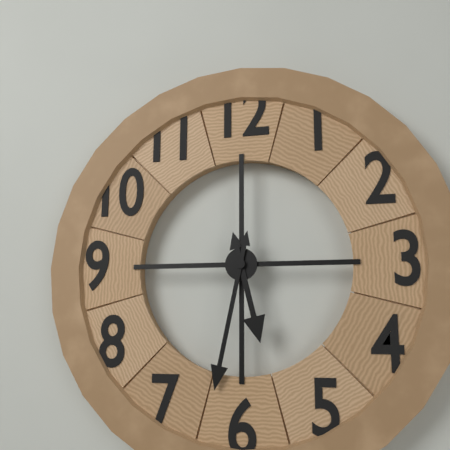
5:32
